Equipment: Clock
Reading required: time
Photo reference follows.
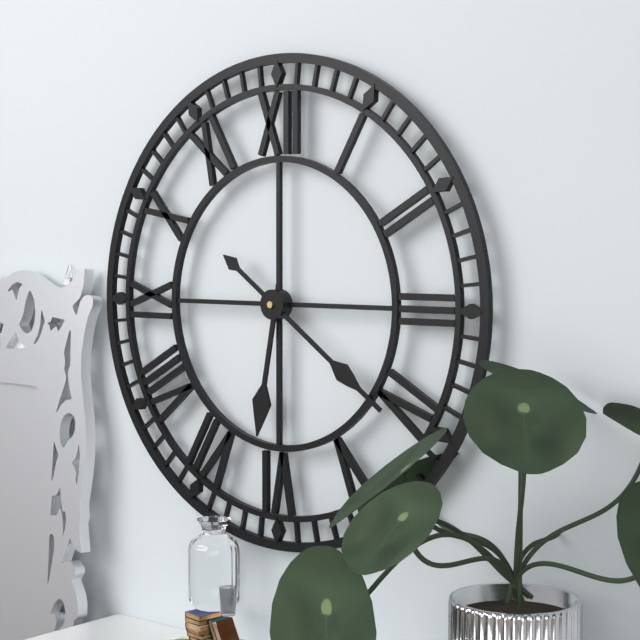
6:21
